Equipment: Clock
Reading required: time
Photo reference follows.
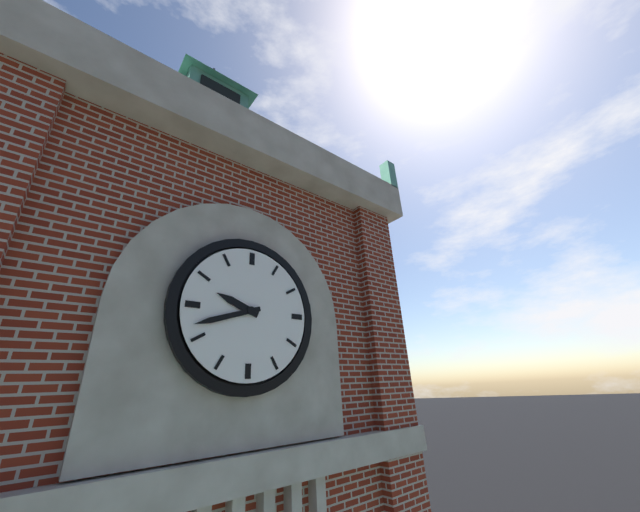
9:42
